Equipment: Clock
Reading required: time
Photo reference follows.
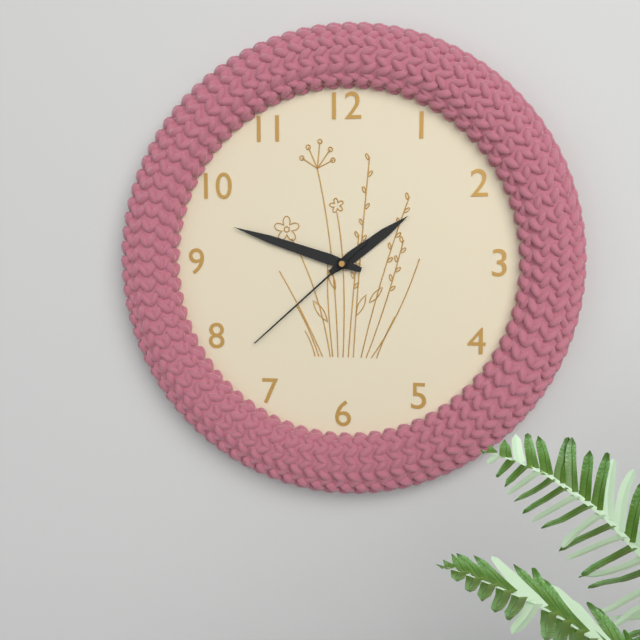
1:48:38
